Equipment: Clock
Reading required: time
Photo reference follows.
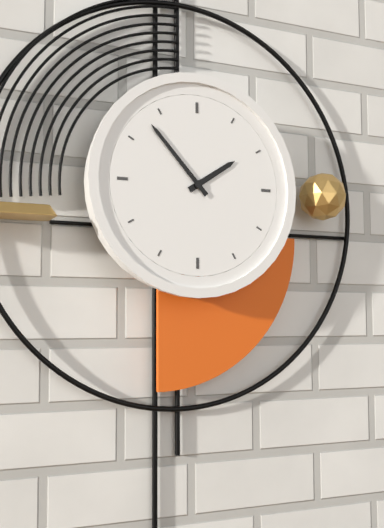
1:53
